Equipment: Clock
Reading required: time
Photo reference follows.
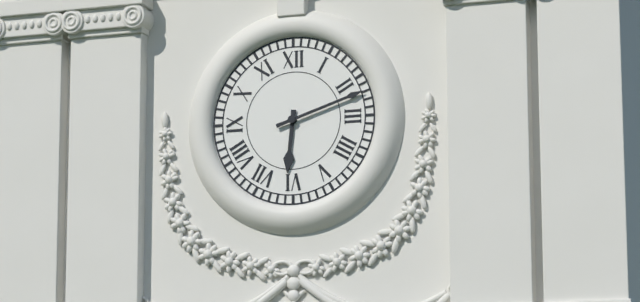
6:12
